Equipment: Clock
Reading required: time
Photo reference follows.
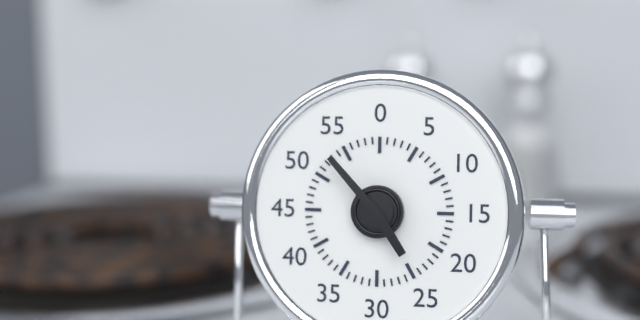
4:53
